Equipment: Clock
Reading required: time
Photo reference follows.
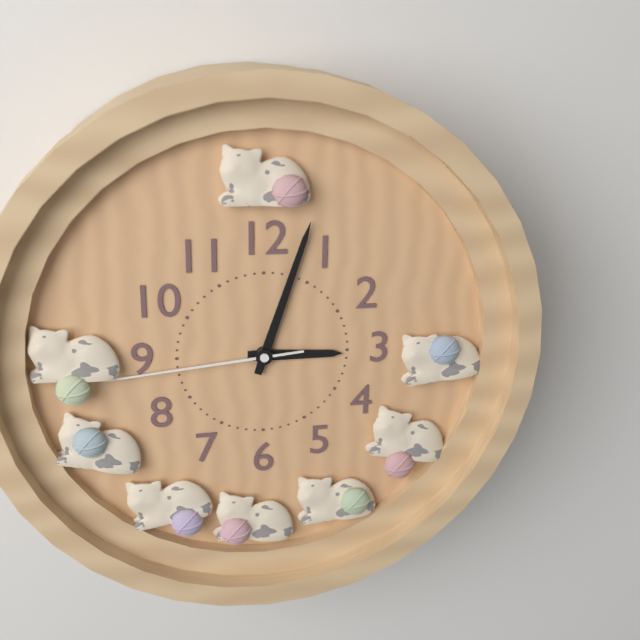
3:03:44
